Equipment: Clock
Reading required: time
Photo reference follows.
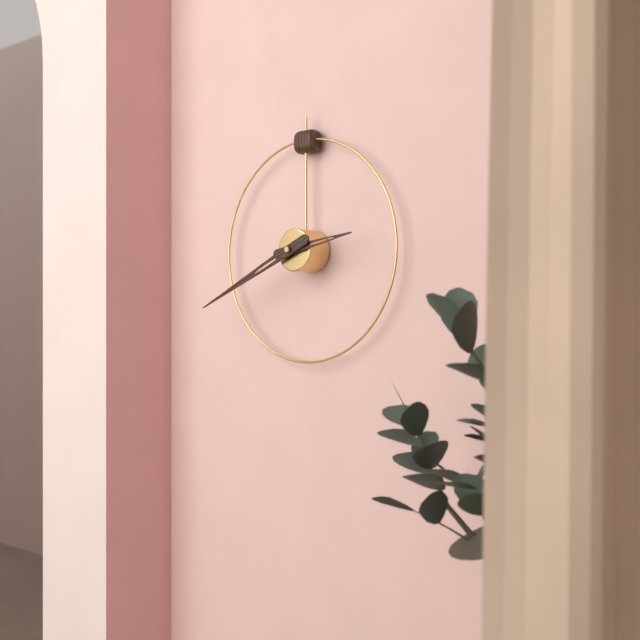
2:41
